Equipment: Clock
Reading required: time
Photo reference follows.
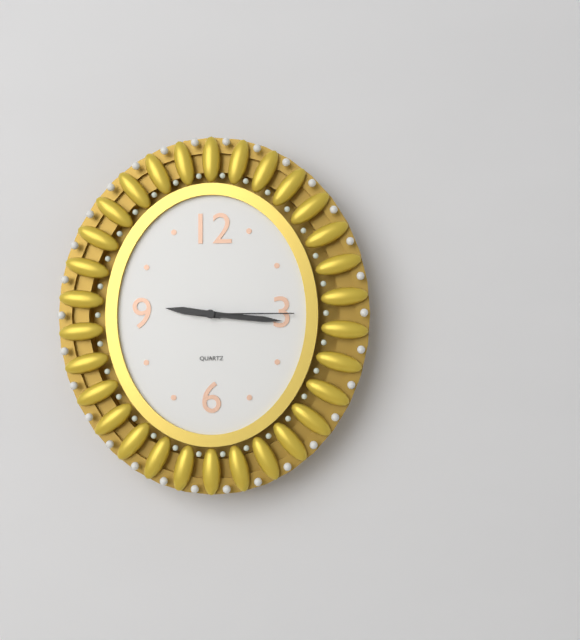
9:16:15
